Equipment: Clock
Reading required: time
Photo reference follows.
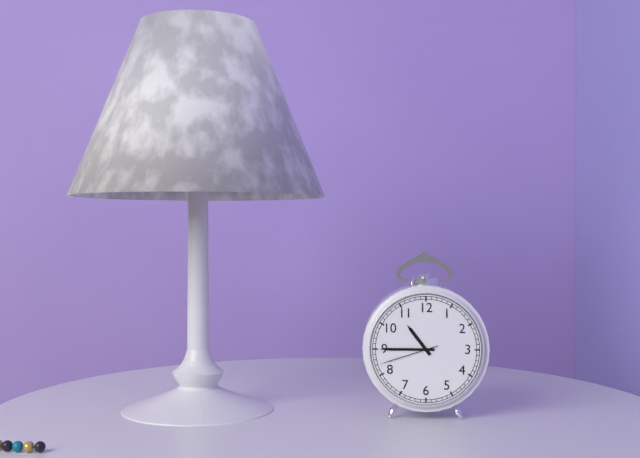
10:45:42
